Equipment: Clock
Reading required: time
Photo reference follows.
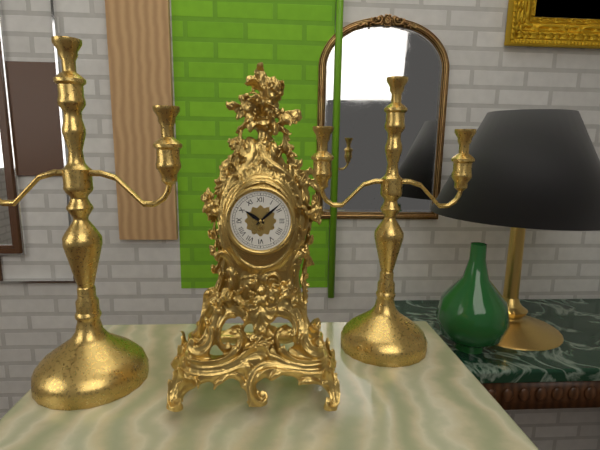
10:08
